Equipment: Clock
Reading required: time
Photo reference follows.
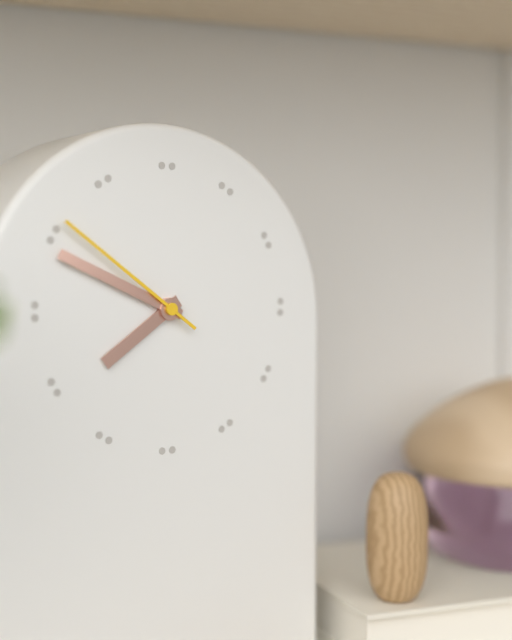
7:49:51
